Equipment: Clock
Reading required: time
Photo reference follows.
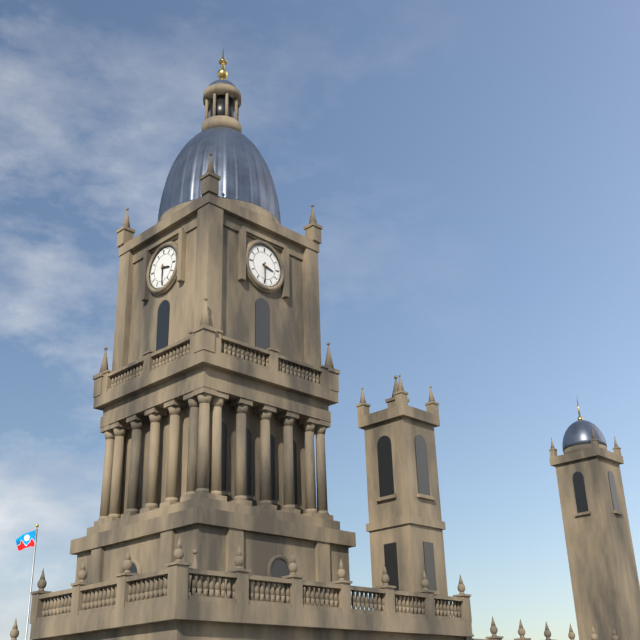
3:30
